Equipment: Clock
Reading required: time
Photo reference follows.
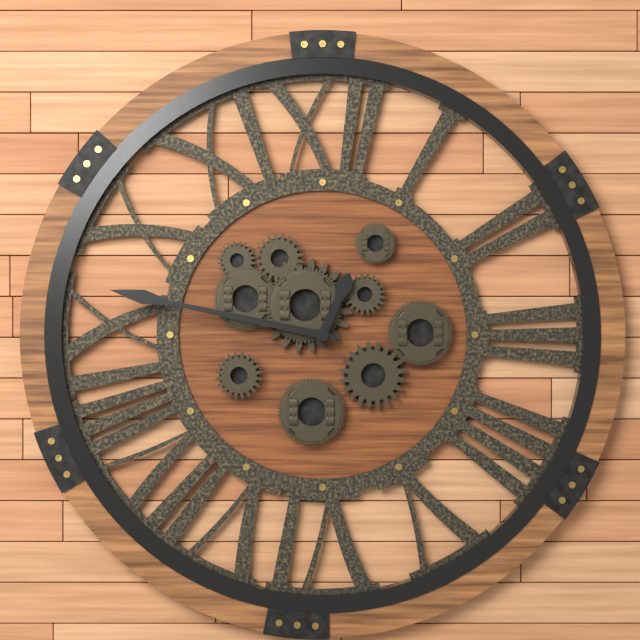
12:47
